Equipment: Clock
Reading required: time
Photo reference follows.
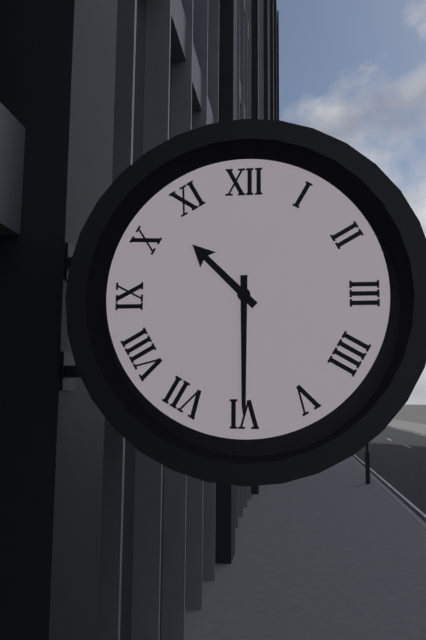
10:30
